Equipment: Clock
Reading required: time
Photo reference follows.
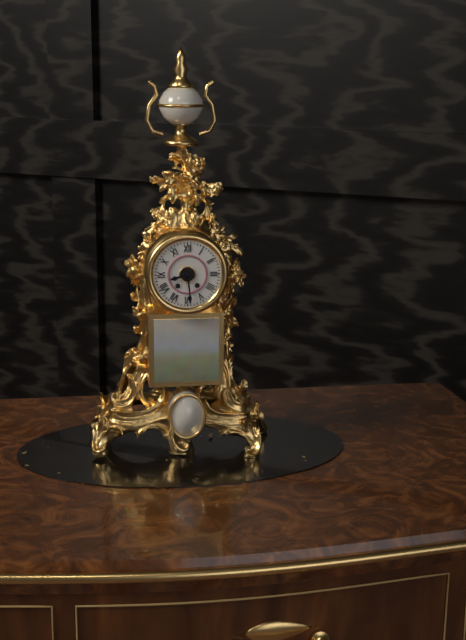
8:29
